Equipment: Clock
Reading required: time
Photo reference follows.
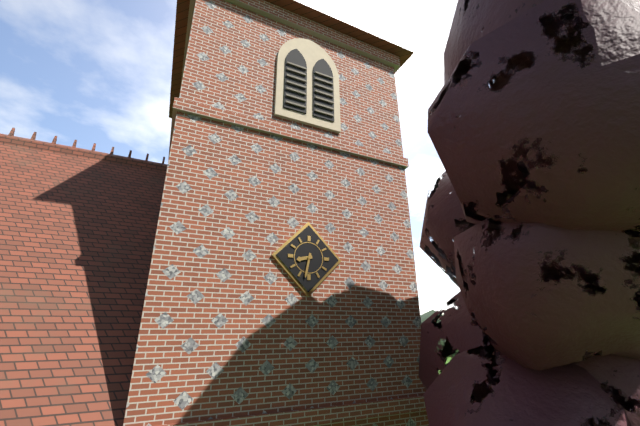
8:32
